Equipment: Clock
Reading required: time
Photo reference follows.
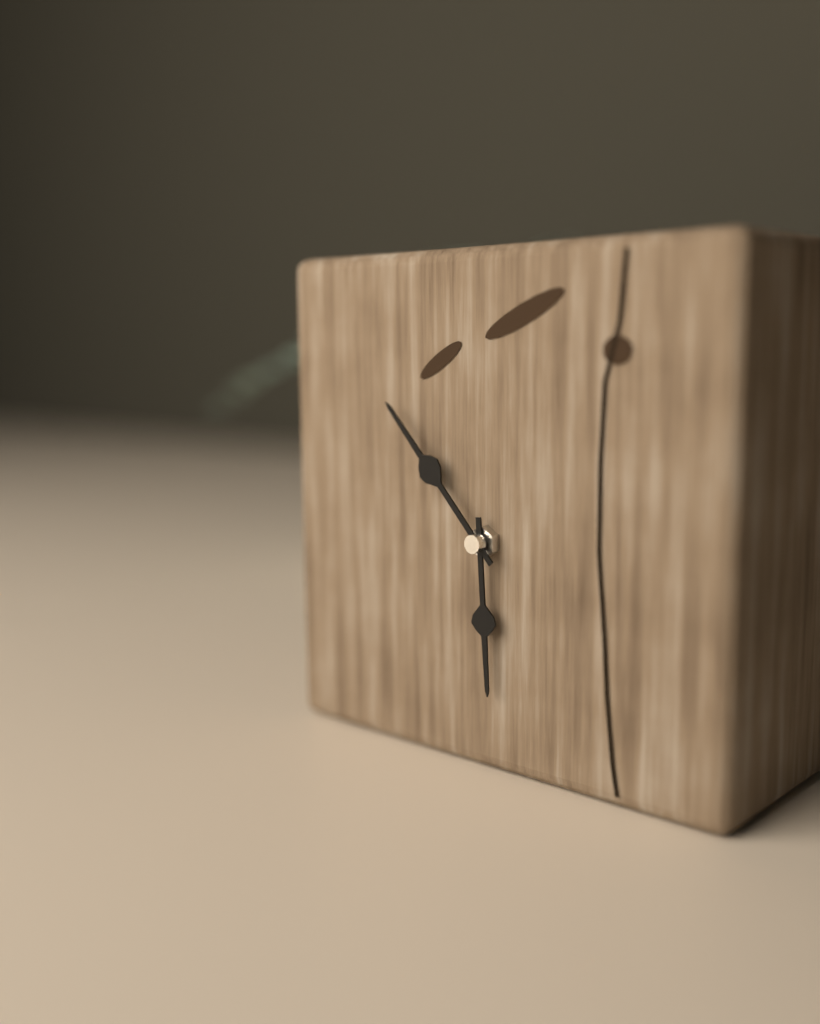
5:53
